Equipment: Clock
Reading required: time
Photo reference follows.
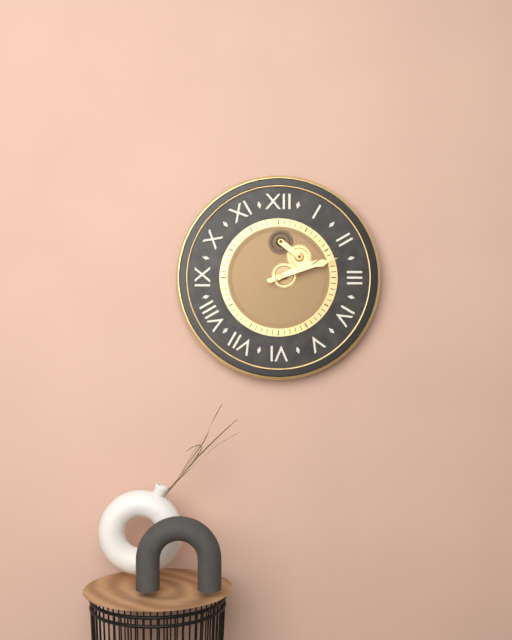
2:12
